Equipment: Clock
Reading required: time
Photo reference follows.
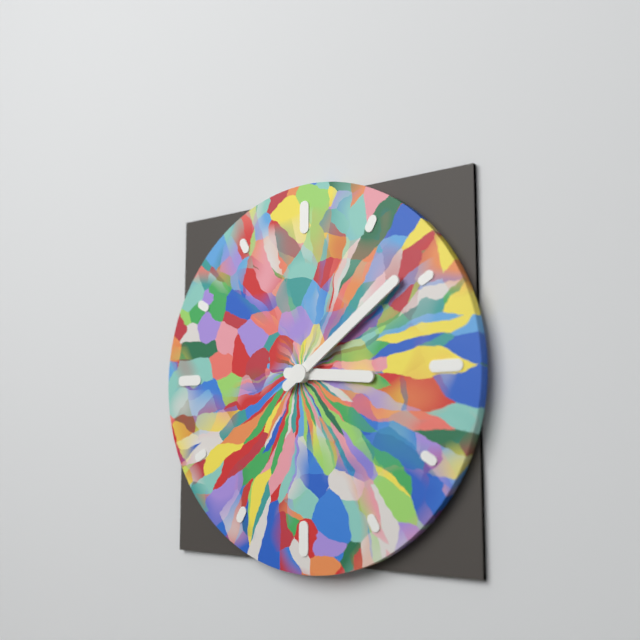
3:09
